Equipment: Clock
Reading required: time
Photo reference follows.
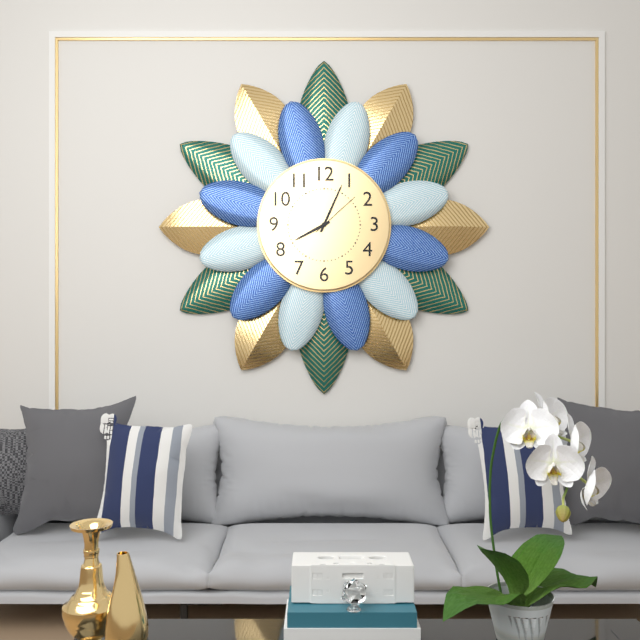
8:04:08
